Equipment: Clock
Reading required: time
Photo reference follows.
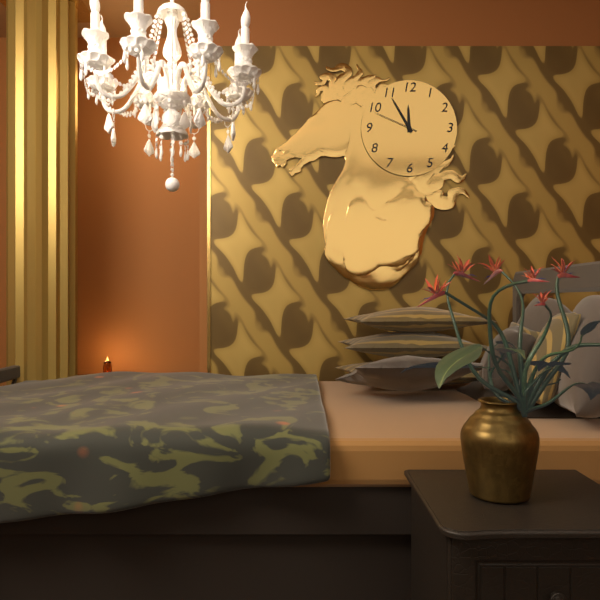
11:55
